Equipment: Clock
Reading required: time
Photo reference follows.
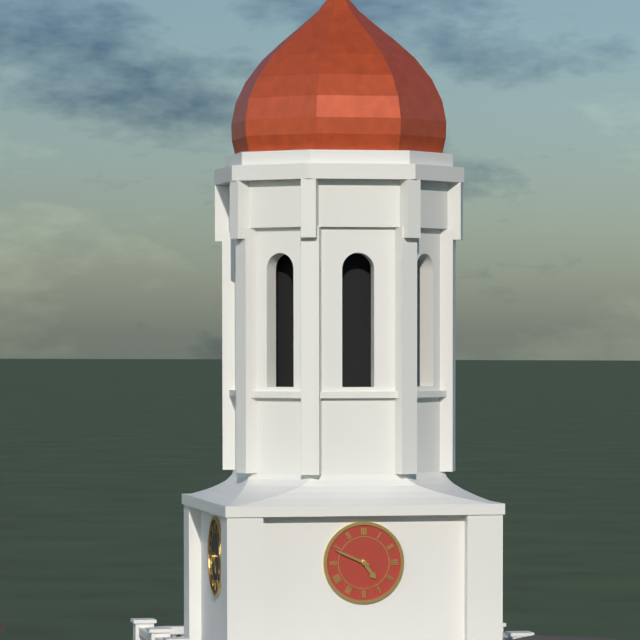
4:49
